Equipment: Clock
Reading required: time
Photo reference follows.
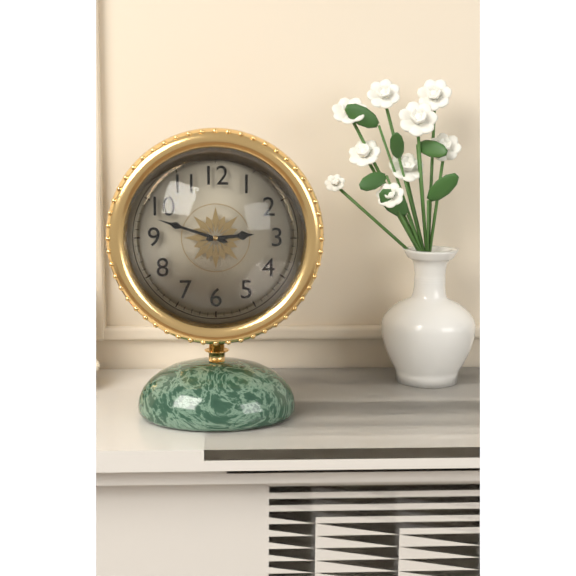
2:48
